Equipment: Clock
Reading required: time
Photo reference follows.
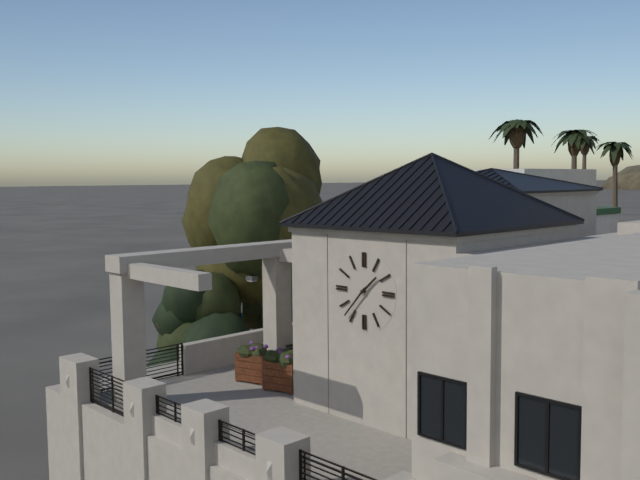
1:37
